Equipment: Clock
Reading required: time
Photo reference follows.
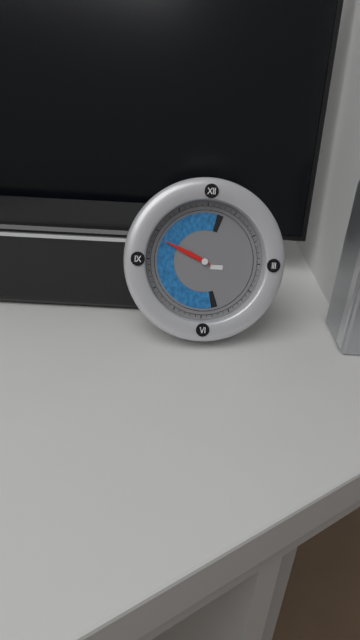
9:49
